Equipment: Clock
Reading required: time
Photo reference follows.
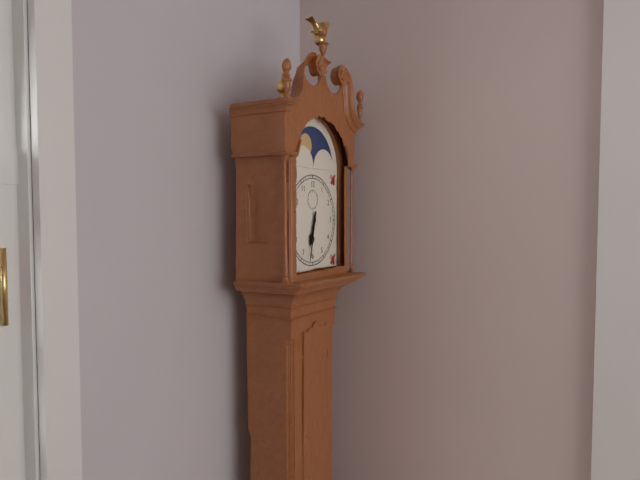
6:32
